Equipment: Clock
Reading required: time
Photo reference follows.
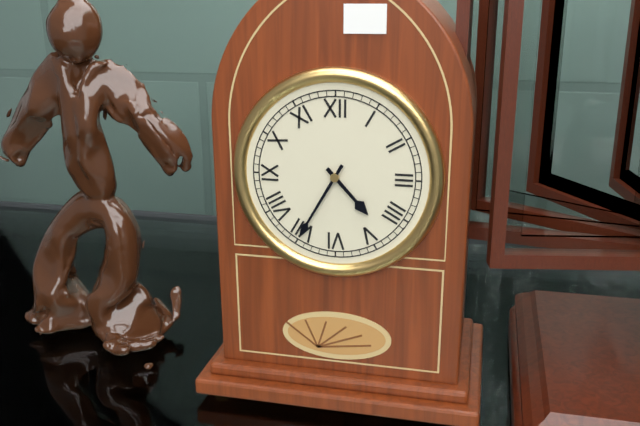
4:35
